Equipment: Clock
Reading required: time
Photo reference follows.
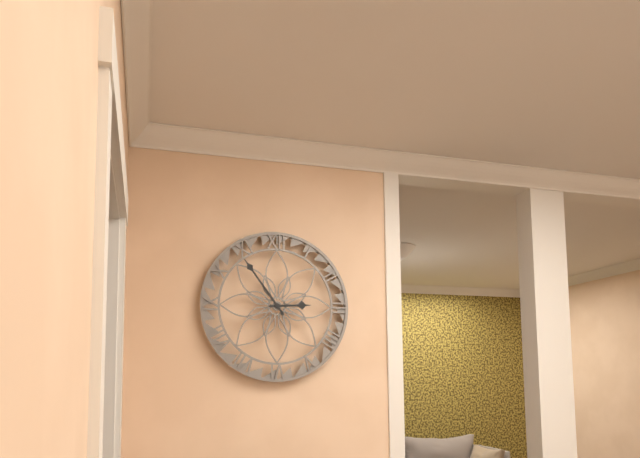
2:54
